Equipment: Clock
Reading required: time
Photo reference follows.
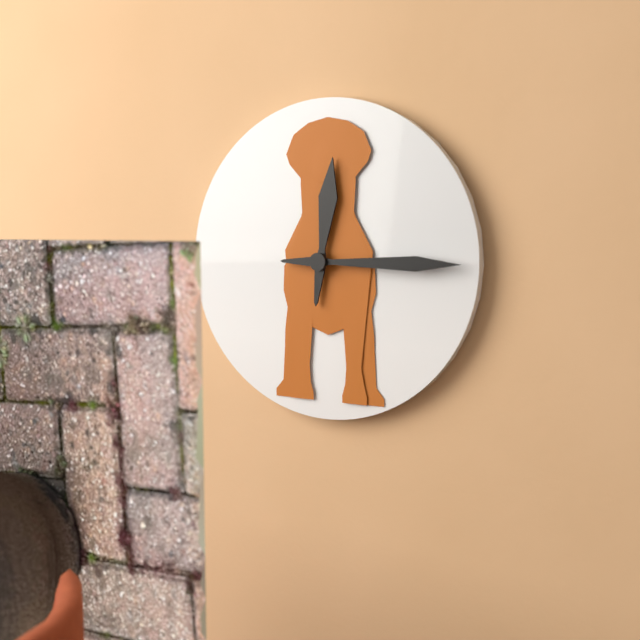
12:15
